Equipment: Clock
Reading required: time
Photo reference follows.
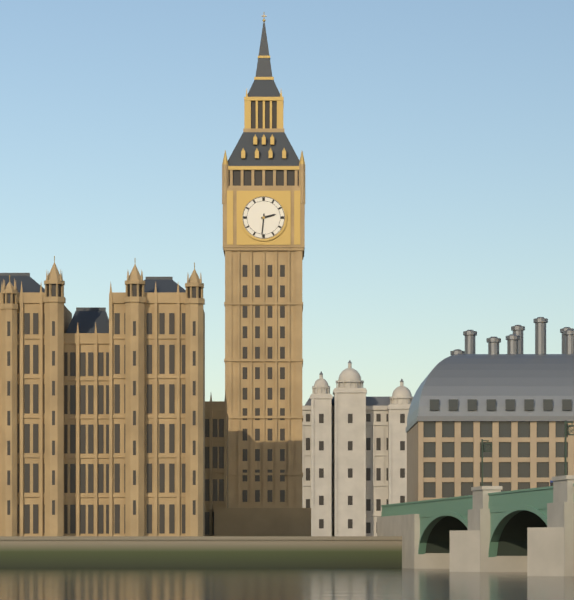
2:31
